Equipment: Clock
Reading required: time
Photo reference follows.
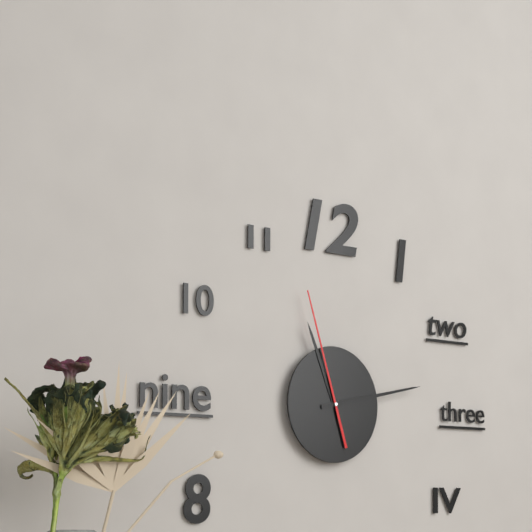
11:13:57
